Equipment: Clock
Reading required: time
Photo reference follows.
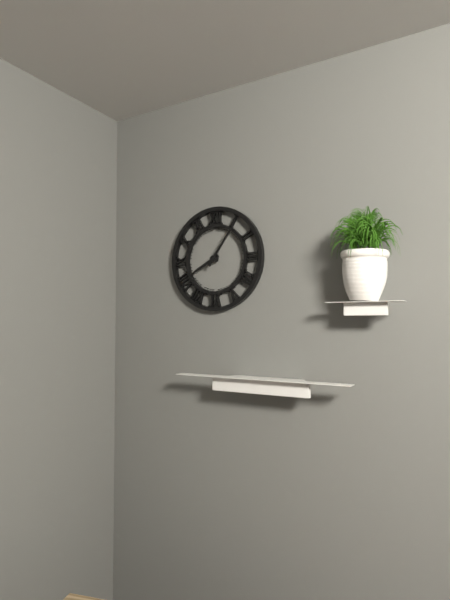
8:06
